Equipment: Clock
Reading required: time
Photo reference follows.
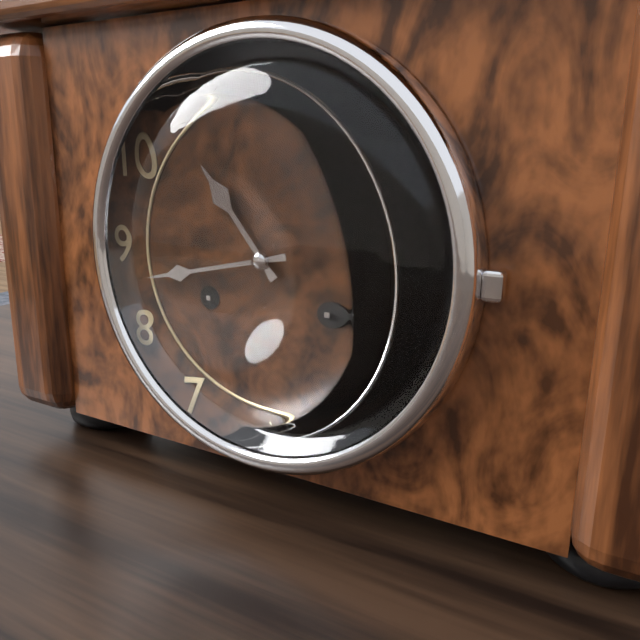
10:43
